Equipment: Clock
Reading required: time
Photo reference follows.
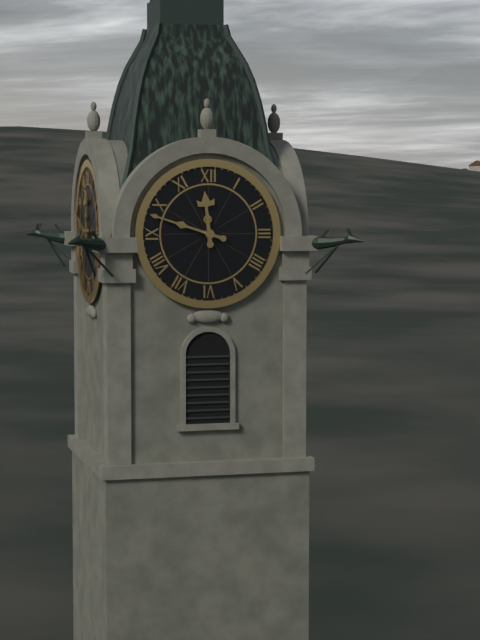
11:48
